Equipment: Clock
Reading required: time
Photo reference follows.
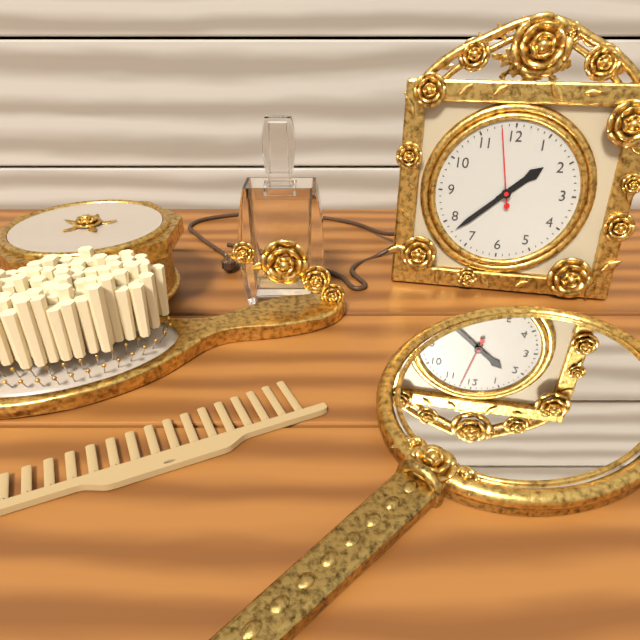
1:38:58
